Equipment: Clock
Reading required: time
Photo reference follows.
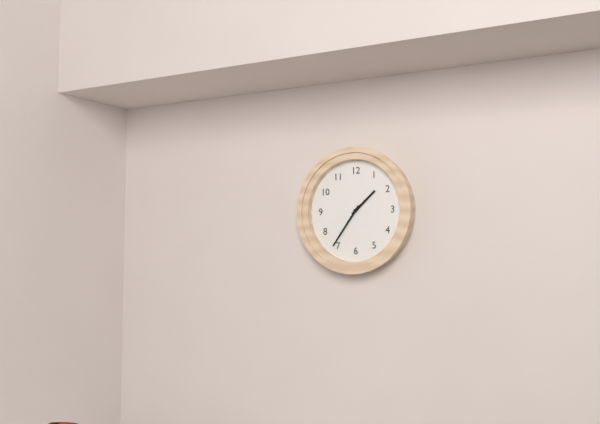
1:36
